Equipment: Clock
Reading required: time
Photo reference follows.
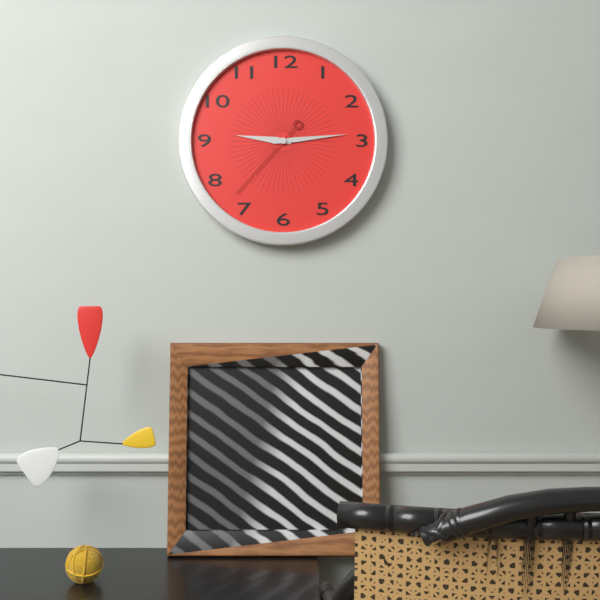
9:14:37
